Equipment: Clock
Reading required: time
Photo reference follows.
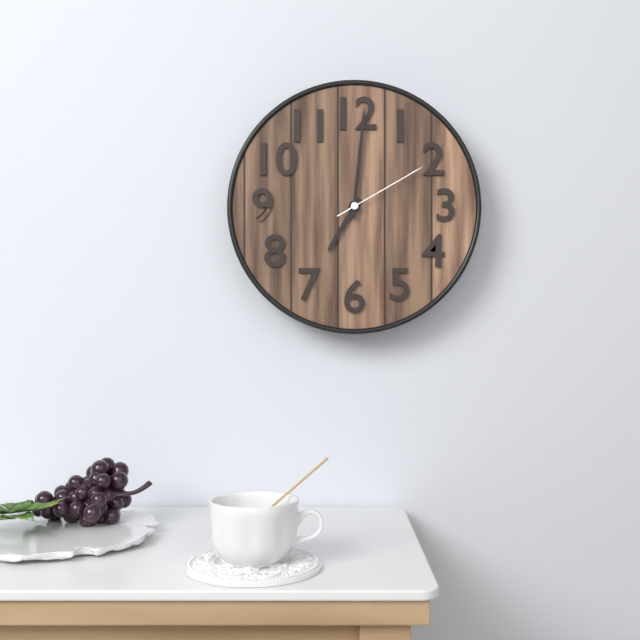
7:01:10
